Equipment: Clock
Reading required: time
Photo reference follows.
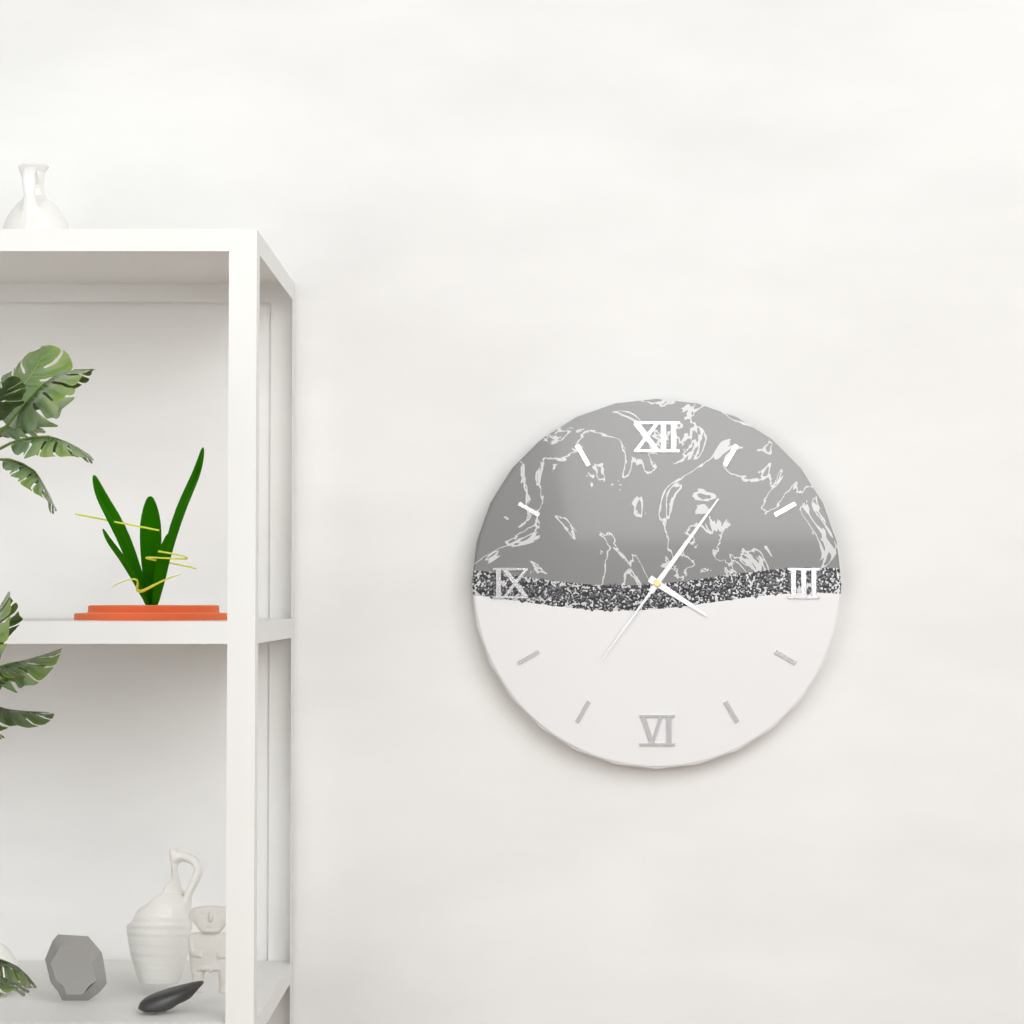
4:06:36
